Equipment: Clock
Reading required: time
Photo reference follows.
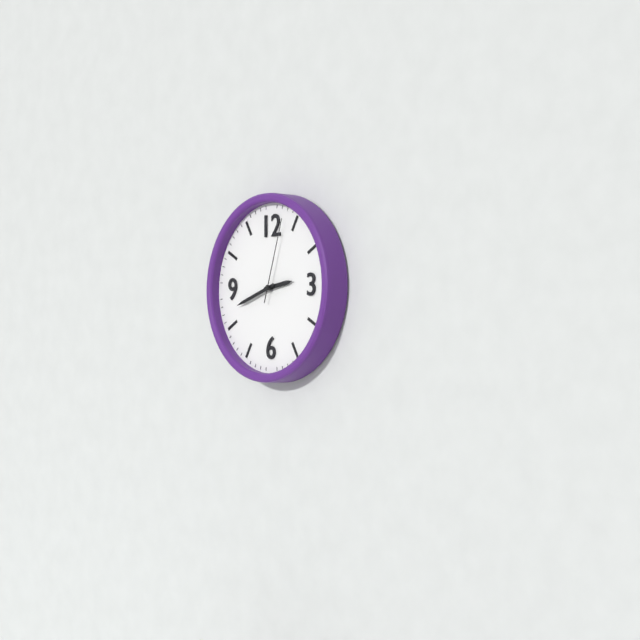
2:42:03
